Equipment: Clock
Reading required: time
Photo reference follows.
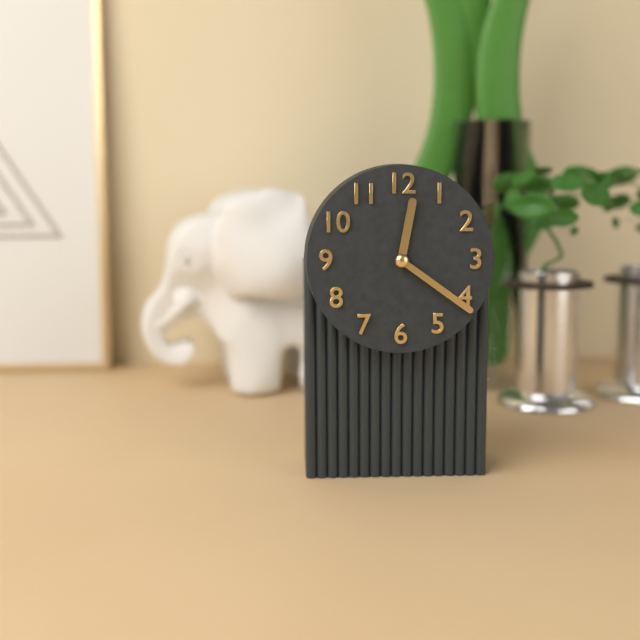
12:21
